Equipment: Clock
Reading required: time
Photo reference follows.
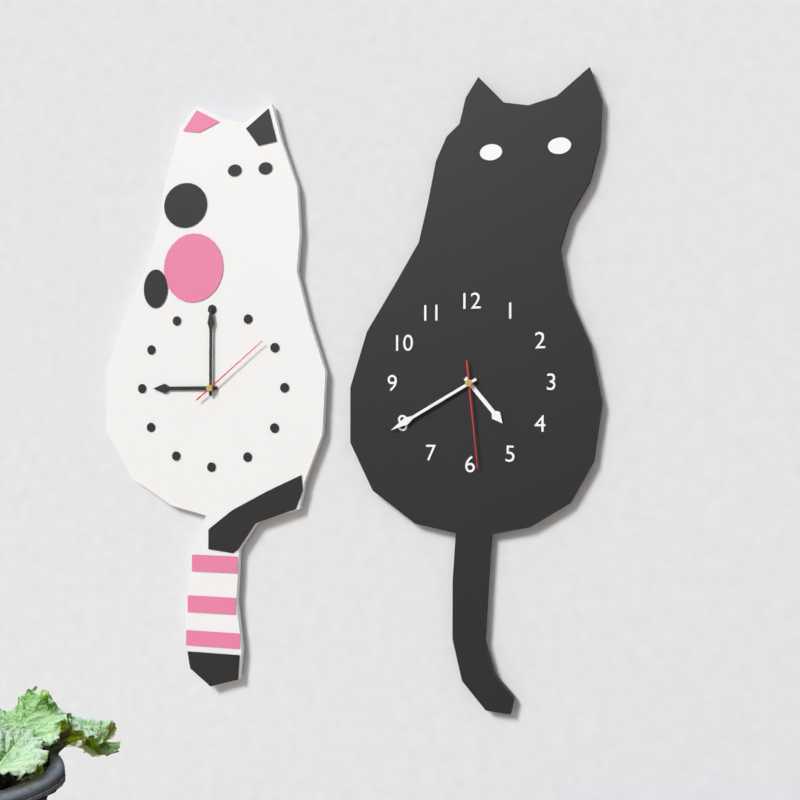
4:40:29
